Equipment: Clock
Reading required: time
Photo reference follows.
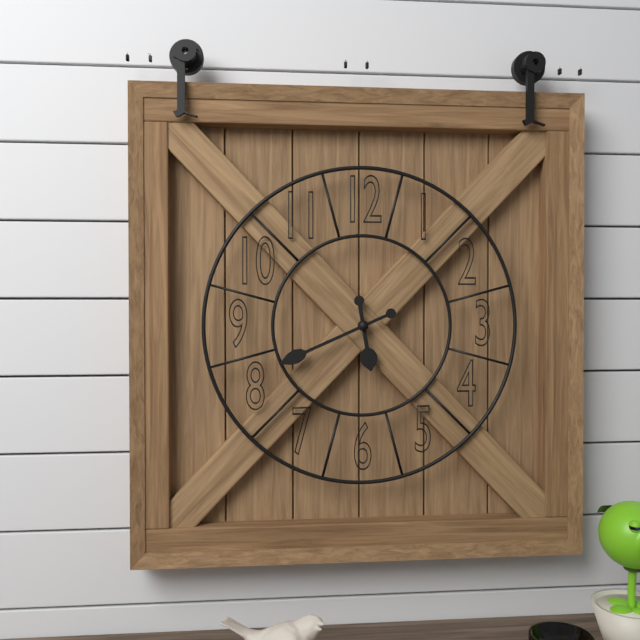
5:41
